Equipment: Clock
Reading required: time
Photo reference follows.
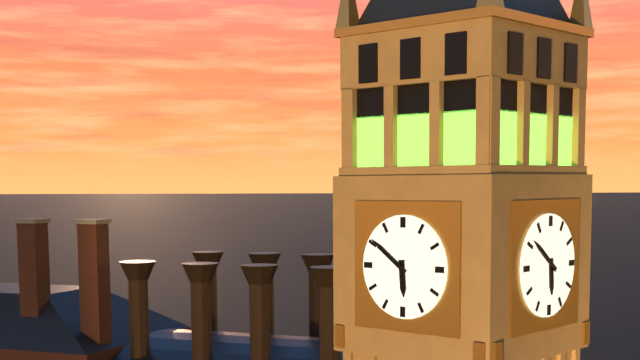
5:51
